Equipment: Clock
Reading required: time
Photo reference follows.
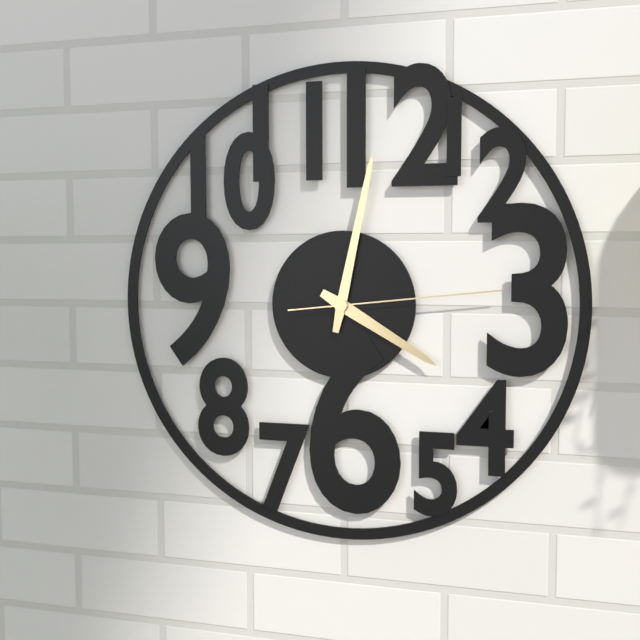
4:02:14
